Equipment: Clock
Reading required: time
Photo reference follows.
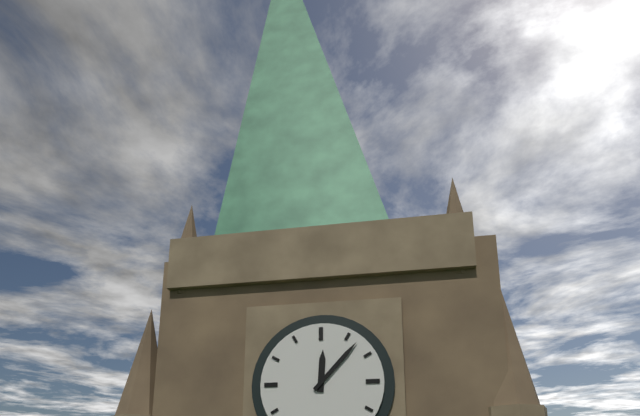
12:07
